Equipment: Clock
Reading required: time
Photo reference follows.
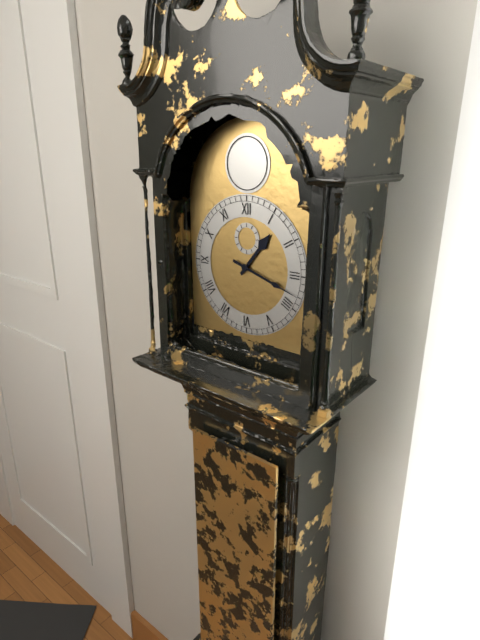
1:18
